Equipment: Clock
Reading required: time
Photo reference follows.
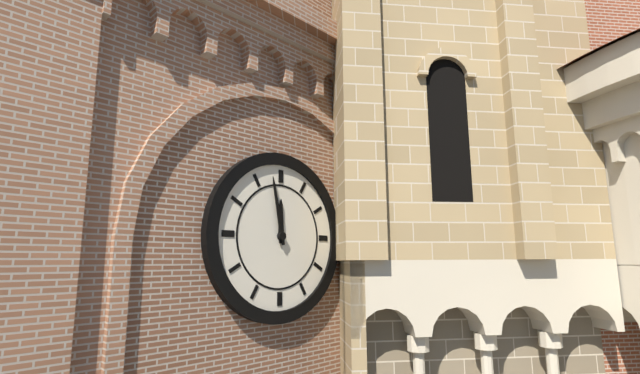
11:58
